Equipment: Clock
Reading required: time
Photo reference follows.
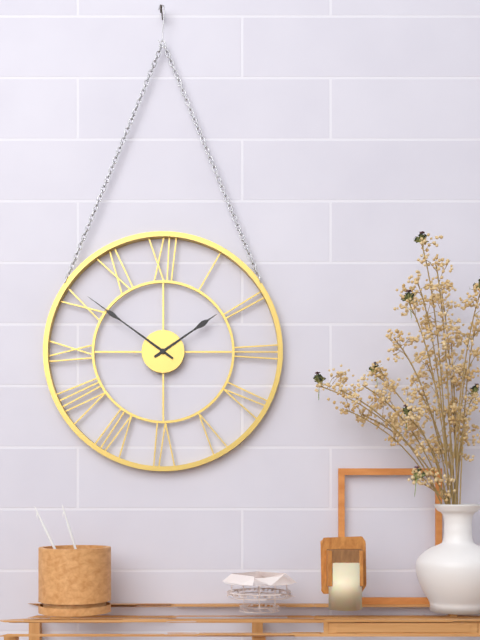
1:51
